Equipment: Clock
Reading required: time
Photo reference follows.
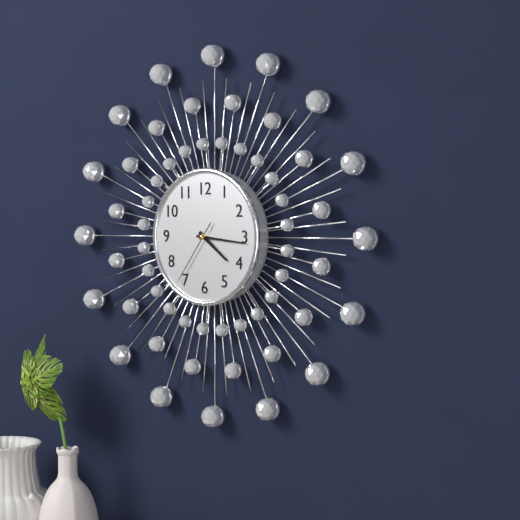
4:16:36
